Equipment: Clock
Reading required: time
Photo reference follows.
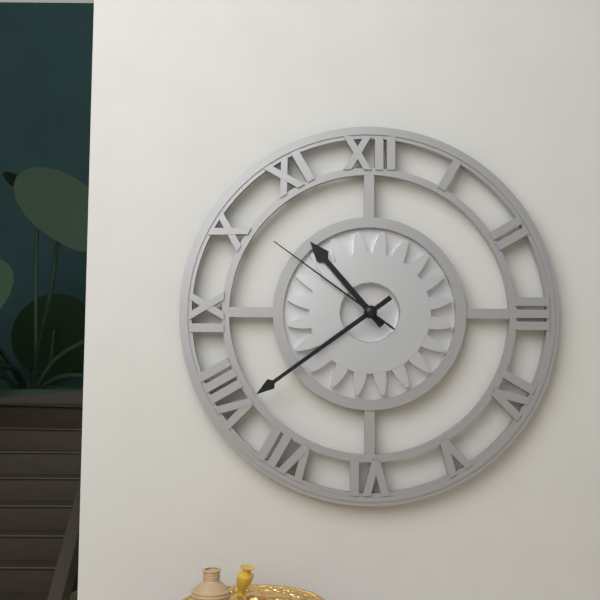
10:39:51
